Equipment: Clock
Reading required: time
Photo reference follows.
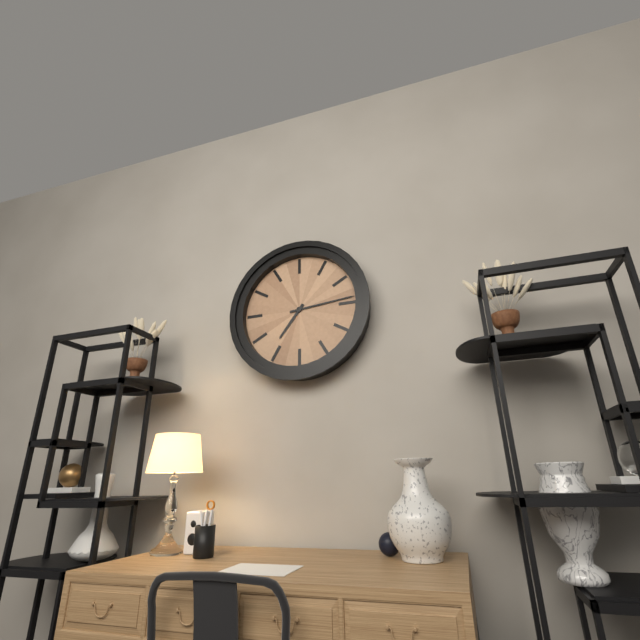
7:14
